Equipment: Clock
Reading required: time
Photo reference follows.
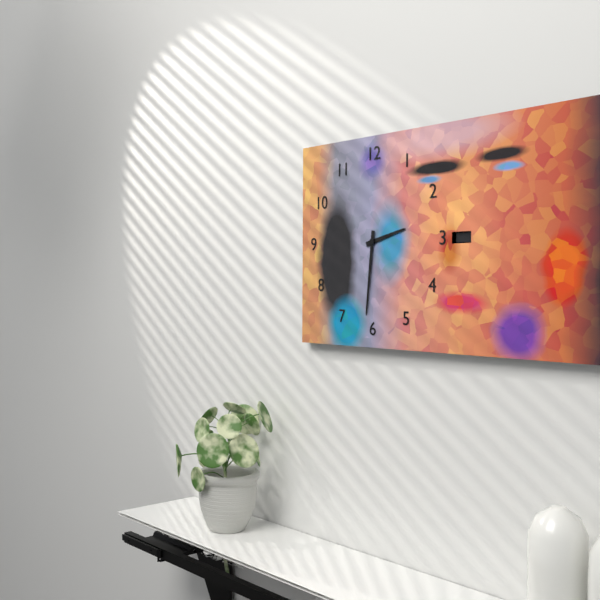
2:31
